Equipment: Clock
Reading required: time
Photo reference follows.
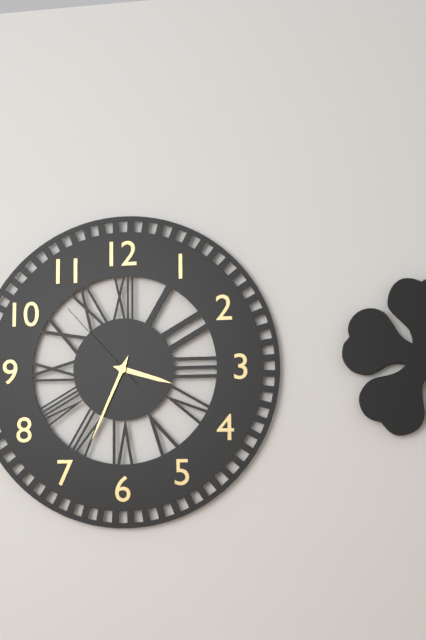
3:34:53
